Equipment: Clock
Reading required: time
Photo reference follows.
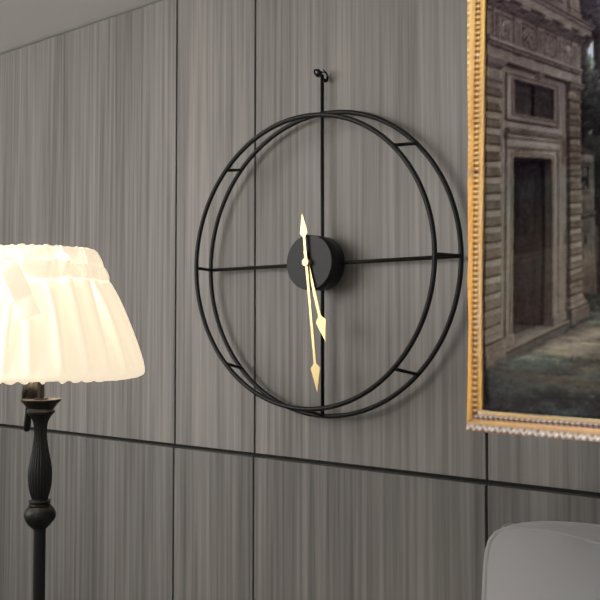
5:29
